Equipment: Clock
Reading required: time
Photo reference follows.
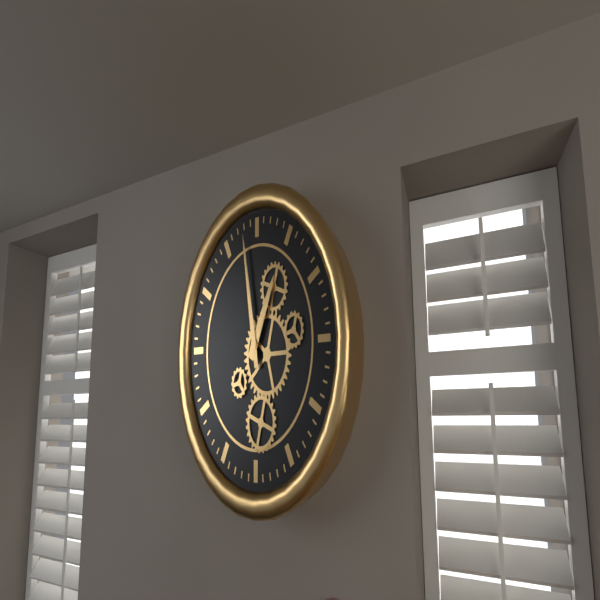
12:58
